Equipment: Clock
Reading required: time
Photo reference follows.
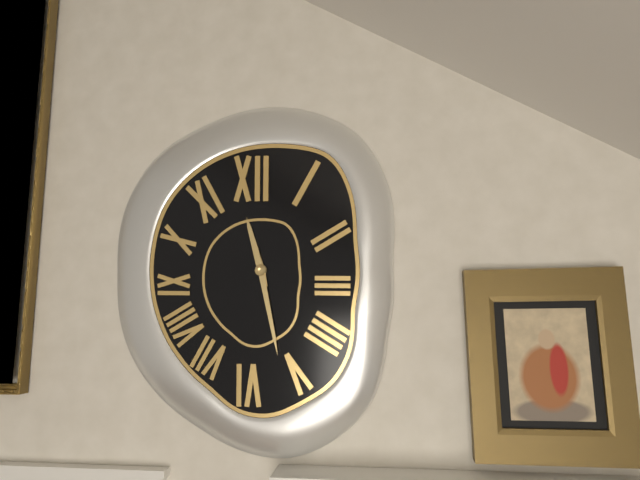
11:28
